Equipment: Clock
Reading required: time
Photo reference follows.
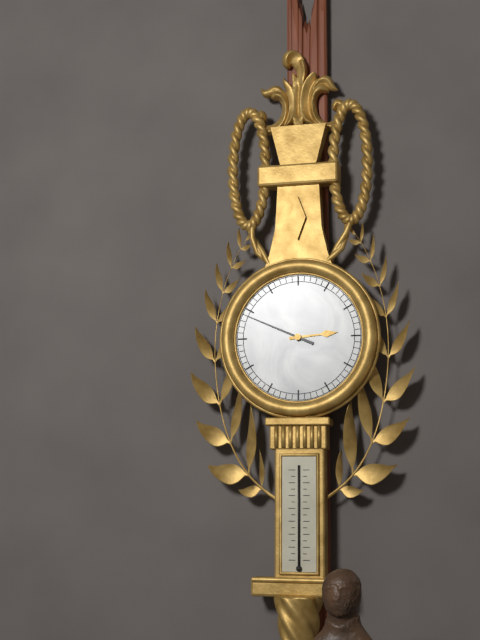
2:49
